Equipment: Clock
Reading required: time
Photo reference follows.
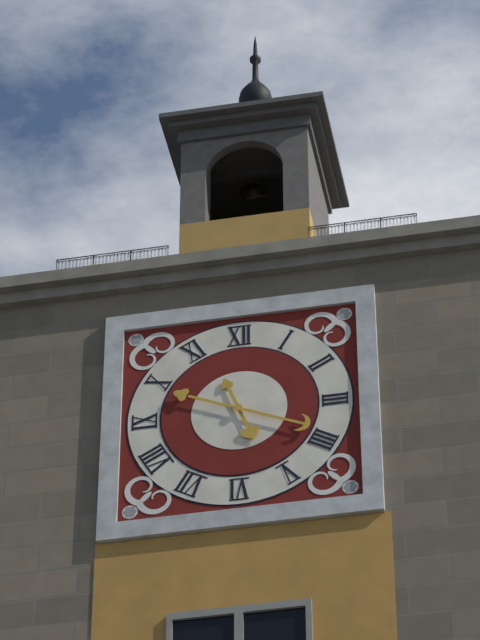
5:19
